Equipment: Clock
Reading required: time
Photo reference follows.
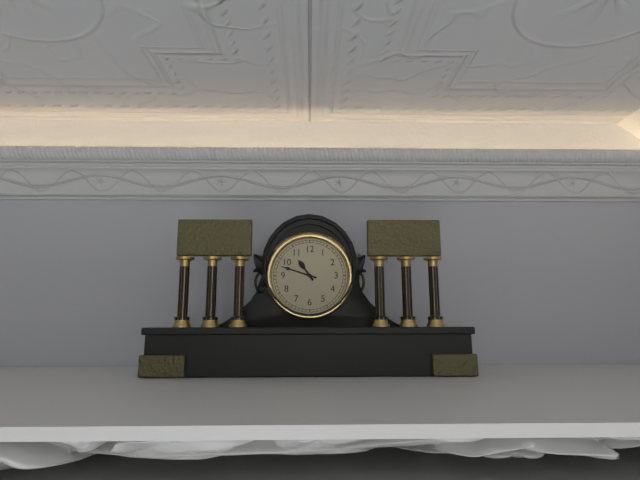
10:48
